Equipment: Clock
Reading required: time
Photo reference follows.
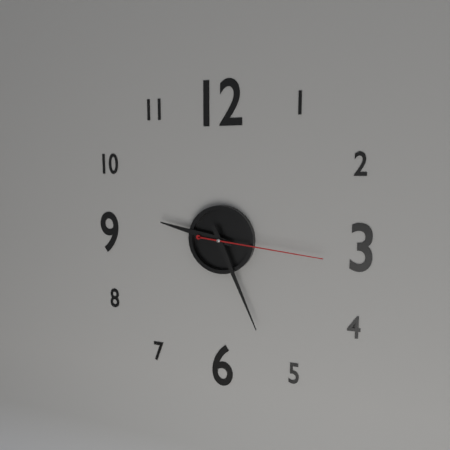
9:26:16
